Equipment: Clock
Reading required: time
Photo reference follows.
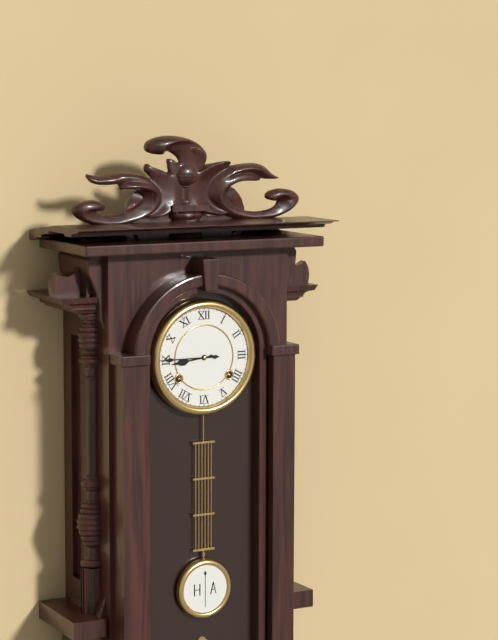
8:45
